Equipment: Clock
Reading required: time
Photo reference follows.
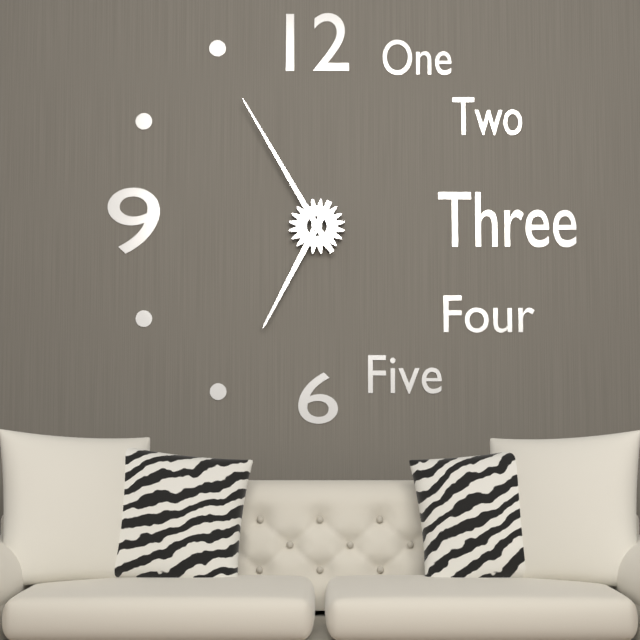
6:55
